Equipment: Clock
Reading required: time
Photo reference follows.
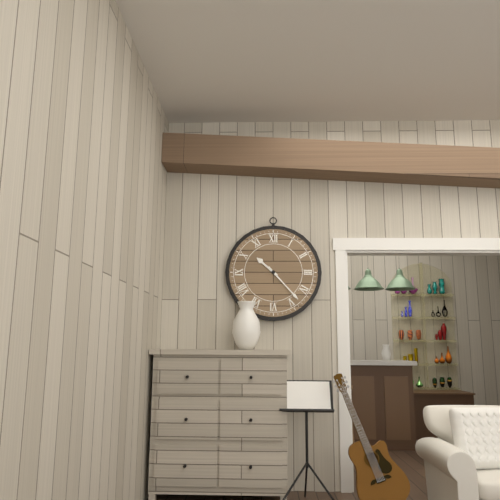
10:23
